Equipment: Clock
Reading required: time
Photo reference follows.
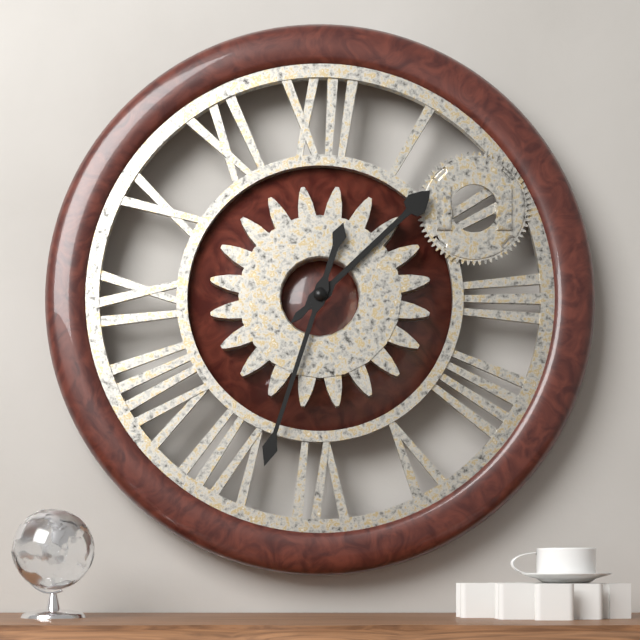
1:33
